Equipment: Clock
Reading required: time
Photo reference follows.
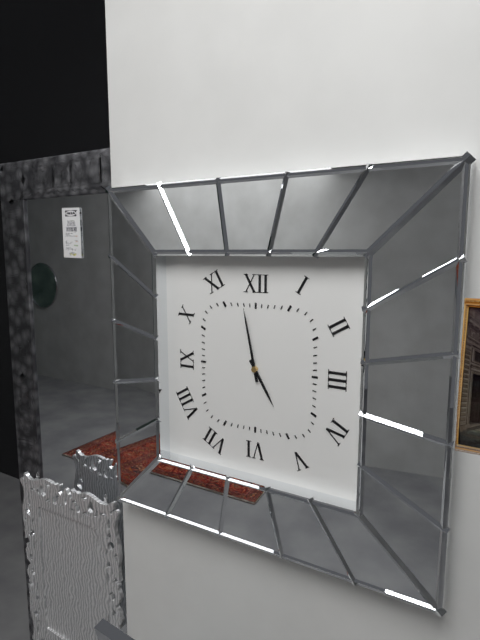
4:58
